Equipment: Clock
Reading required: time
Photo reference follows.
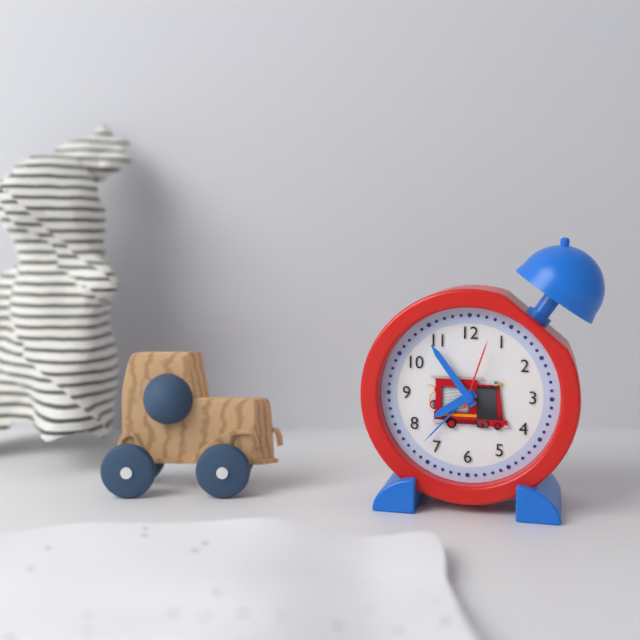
7:54:03
